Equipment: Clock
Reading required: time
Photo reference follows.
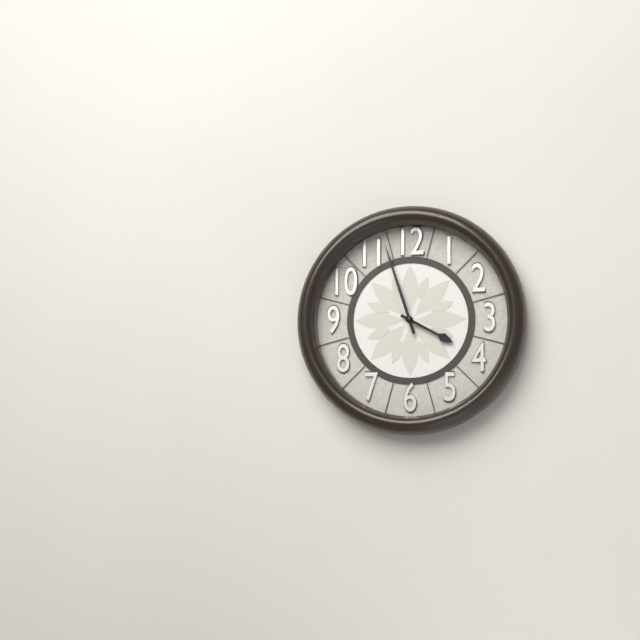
3:57
